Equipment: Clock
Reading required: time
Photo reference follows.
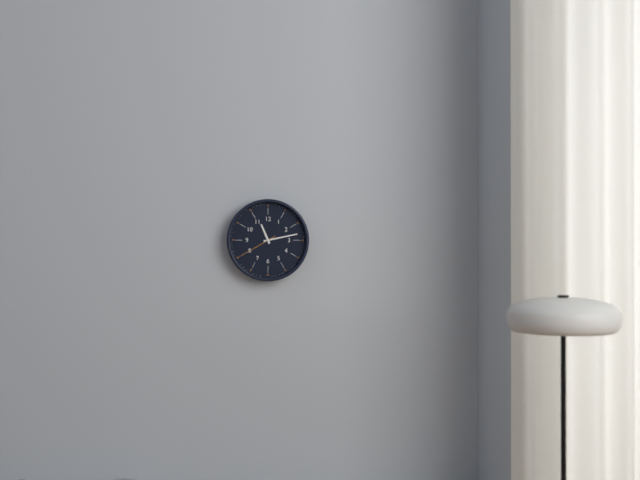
11:13
